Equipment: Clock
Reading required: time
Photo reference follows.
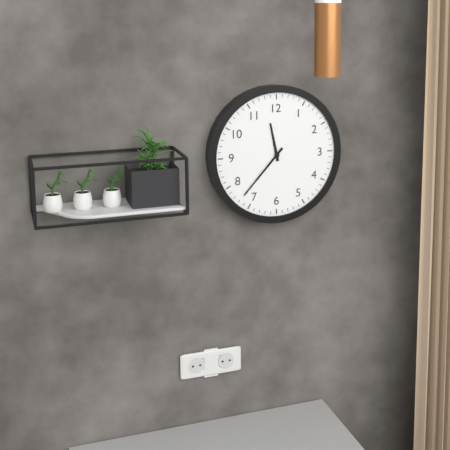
11:37
